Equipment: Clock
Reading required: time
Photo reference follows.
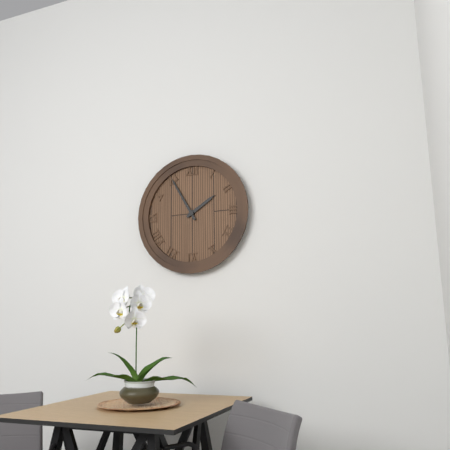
1:55
